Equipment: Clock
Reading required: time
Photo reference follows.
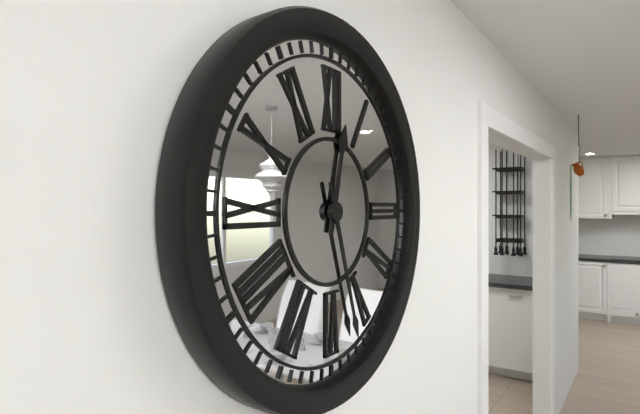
12:27
